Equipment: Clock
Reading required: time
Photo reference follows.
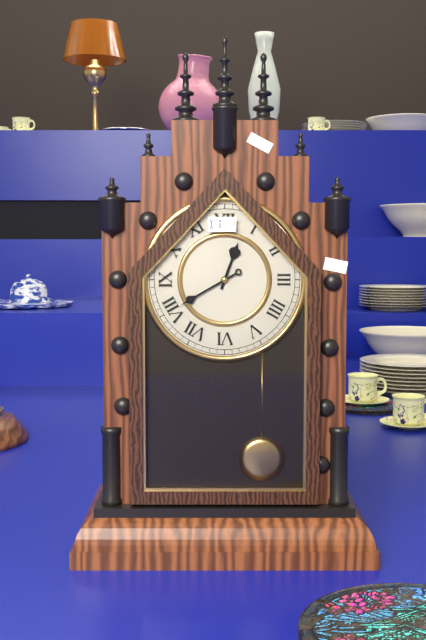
12:40
